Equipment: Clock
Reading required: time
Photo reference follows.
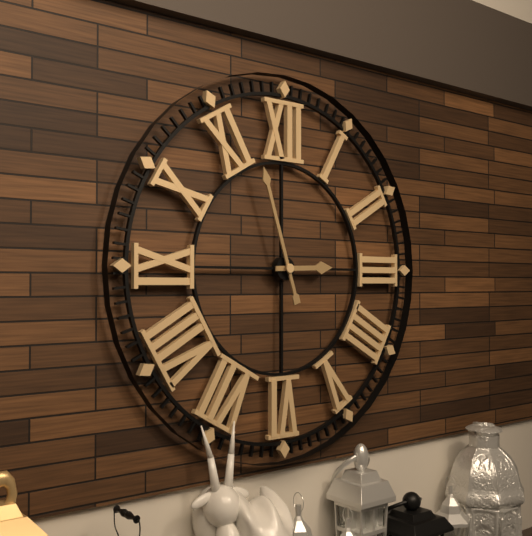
2:57
